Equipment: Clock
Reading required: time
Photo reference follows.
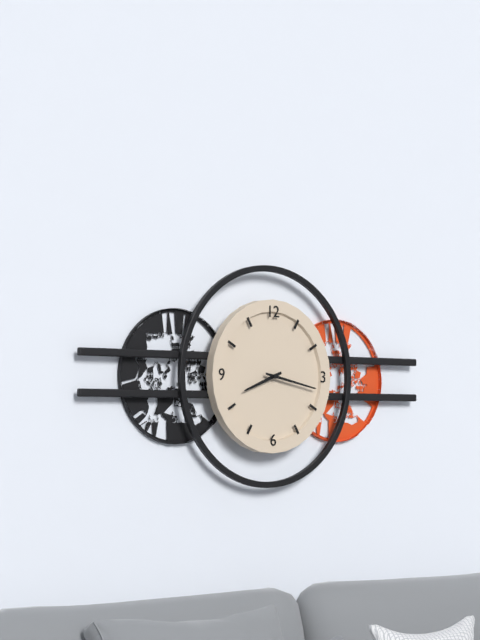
8:17
